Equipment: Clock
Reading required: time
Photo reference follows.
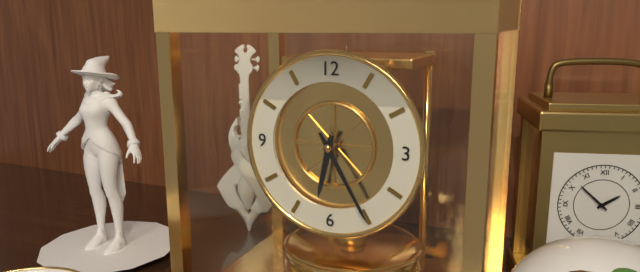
6:25
